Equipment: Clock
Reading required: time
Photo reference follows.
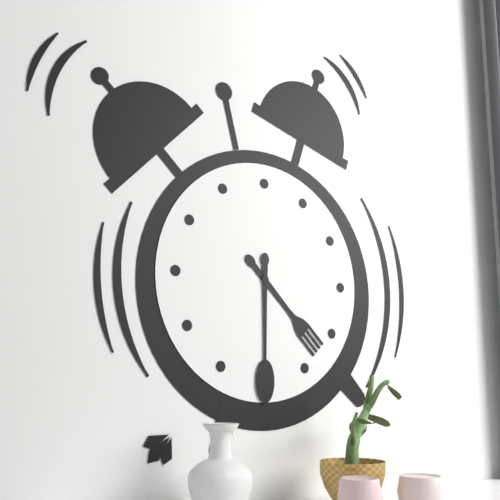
4:30
